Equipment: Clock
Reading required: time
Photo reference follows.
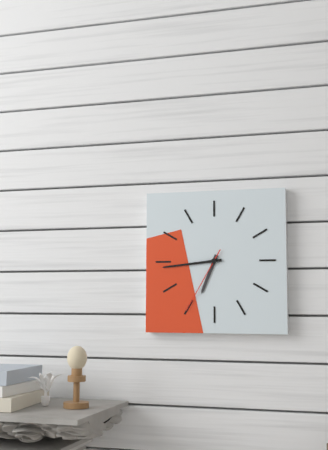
6:44:35
